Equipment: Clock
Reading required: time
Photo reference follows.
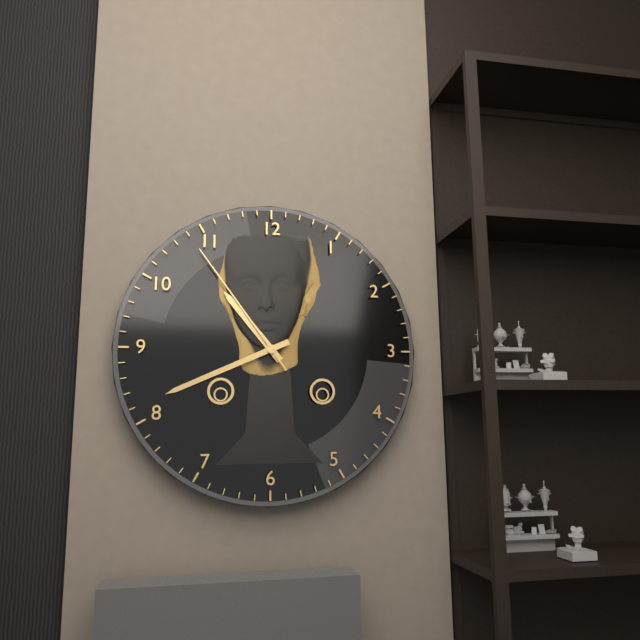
10:41:54
